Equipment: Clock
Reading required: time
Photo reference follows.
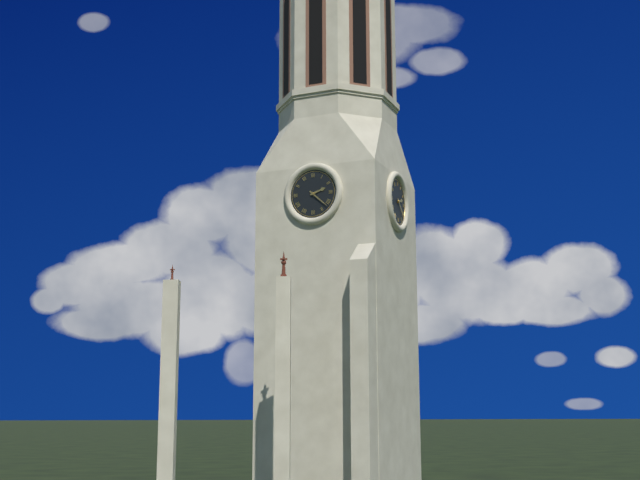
2:22
